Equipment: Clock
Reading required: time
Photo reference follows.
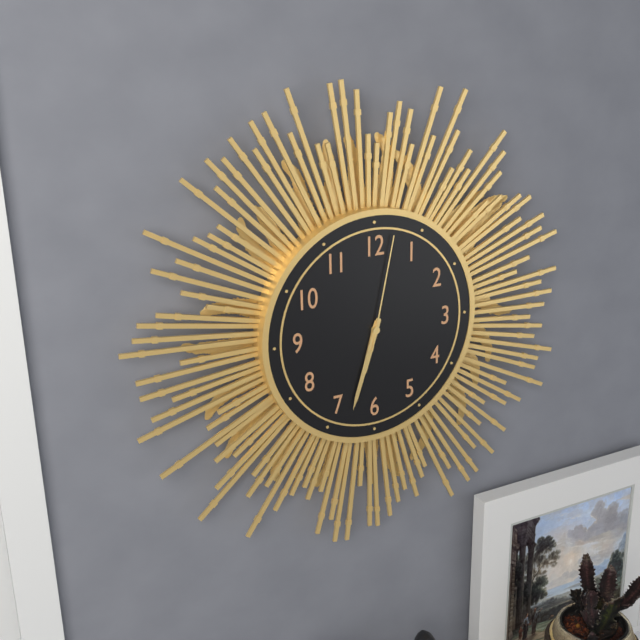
6:33:02
